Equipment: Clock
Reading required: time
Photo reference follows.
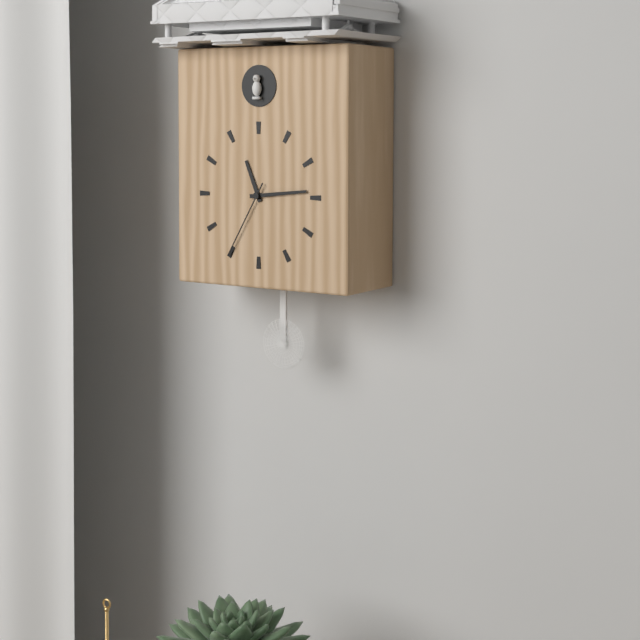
11:14:35
